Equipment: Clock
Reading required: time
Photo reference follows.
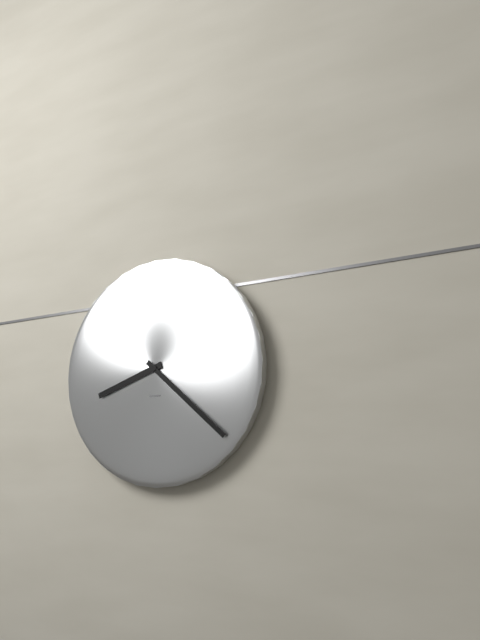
8:22
